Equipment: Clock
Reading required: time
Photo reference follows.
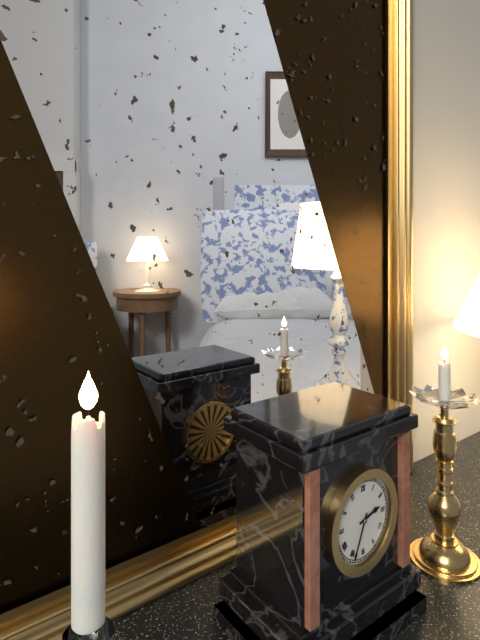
2:34
